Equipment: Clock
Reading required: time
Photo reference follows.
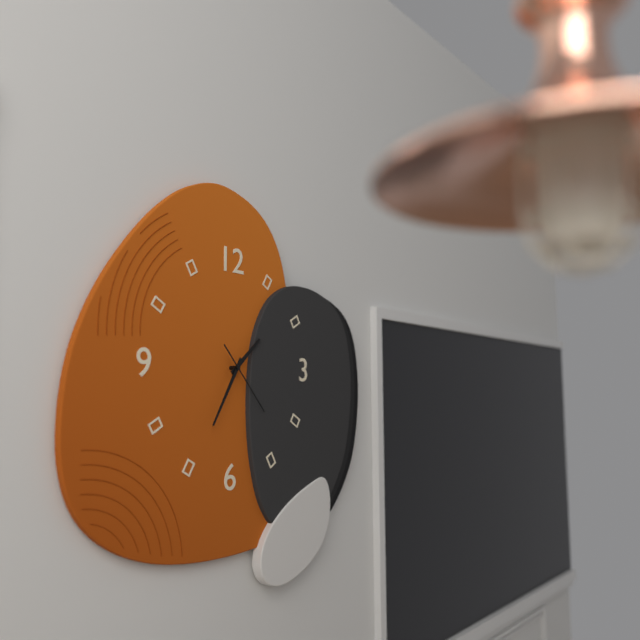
1:35:23
